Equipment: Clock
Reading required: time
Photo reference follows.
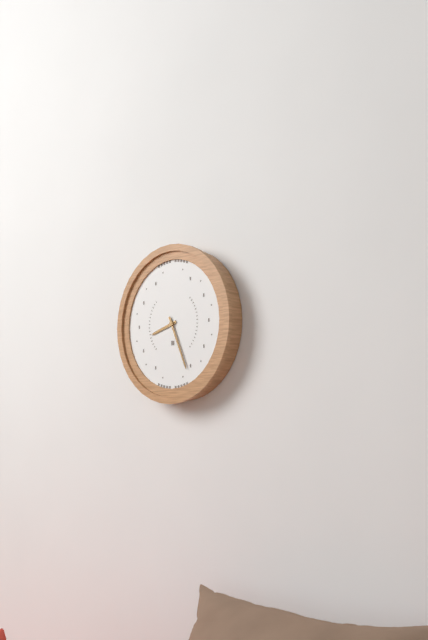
8:26
